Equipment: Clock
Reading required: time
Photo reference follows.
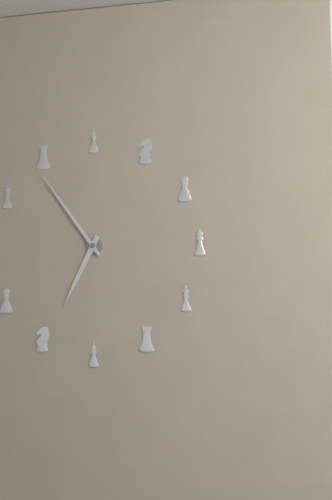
6:54
